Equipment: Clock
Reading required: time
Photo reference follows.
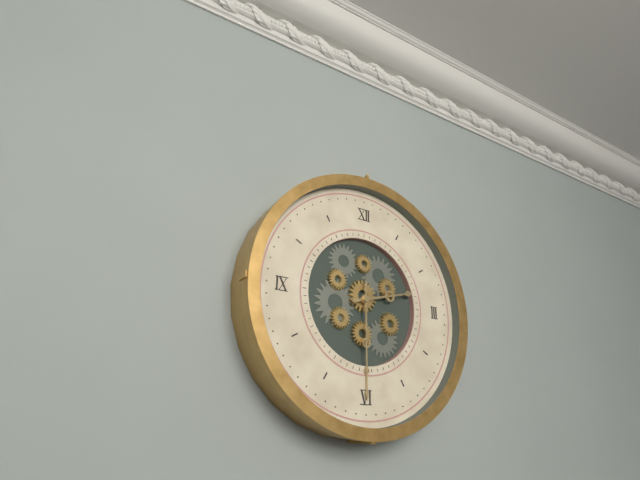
2:30
